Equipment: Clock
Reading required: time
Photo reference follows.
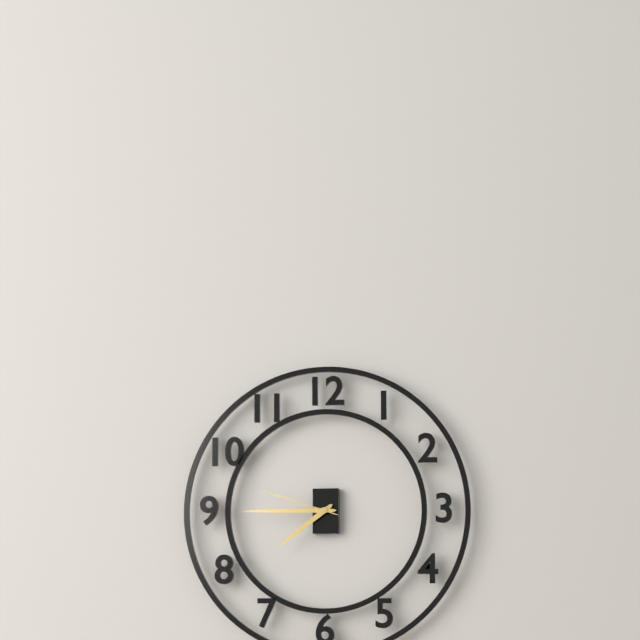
7:45:48
